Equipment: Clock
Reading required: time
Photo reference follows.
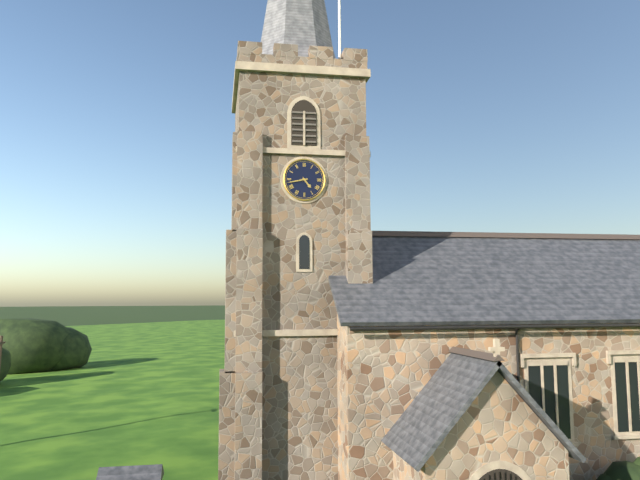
4:43
